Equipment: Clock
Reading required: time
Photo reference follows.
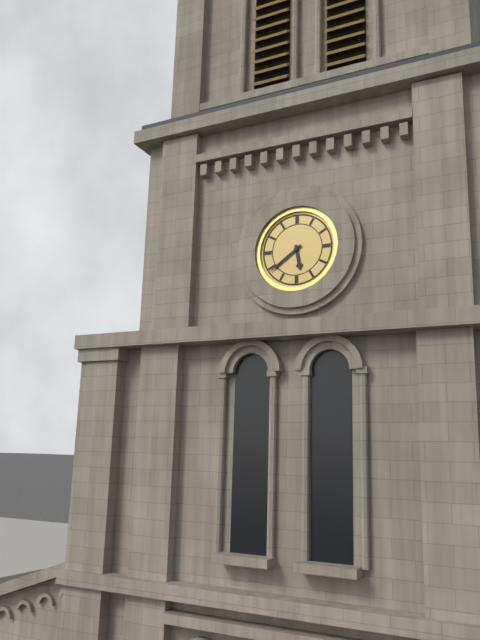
5:39
